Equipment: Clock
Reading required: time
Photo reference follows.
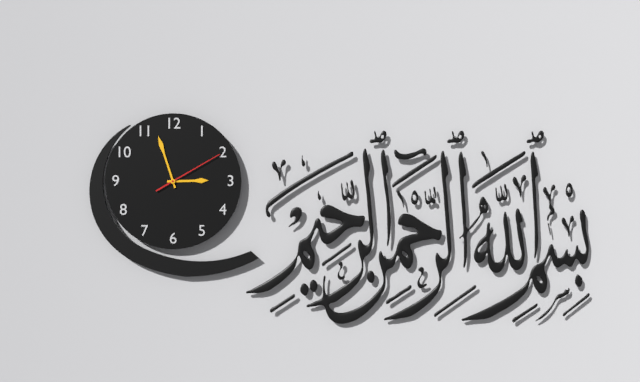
2:57:10
